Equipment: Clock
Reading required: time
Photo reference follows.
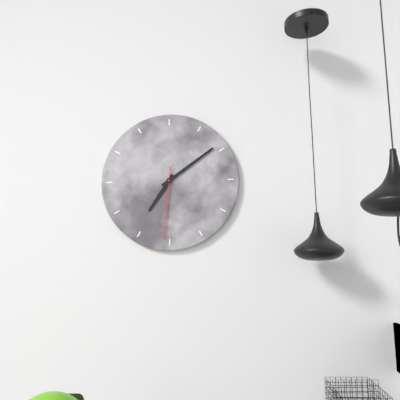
7:09:31
